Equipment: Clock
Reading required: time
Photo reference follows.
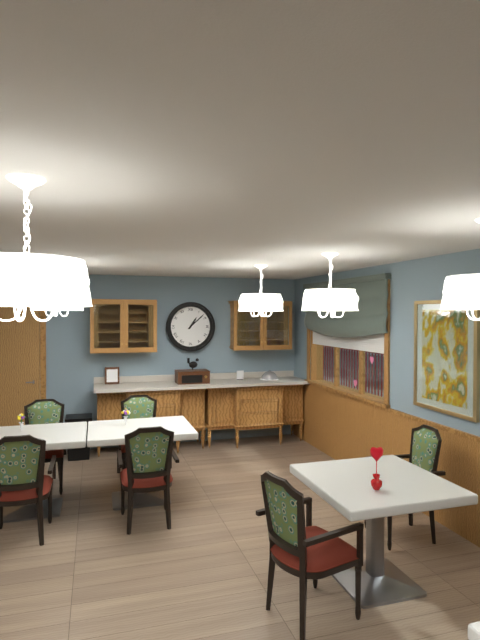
1:08
